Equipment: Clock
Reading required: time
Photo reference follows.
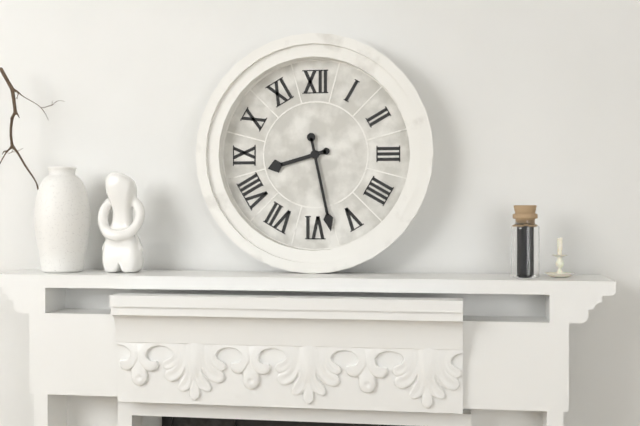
8:28
